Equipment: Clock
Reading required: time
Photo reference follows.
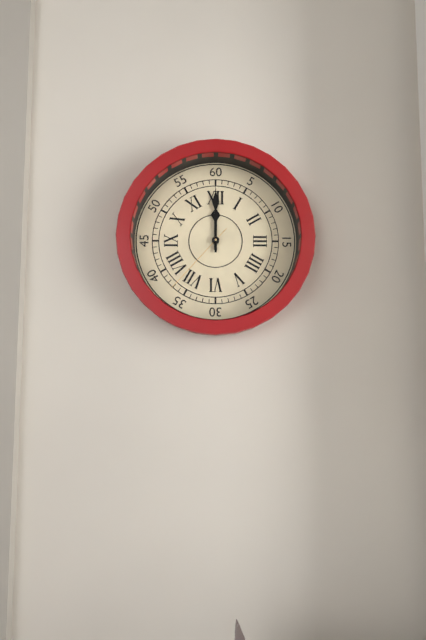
12:00:37
